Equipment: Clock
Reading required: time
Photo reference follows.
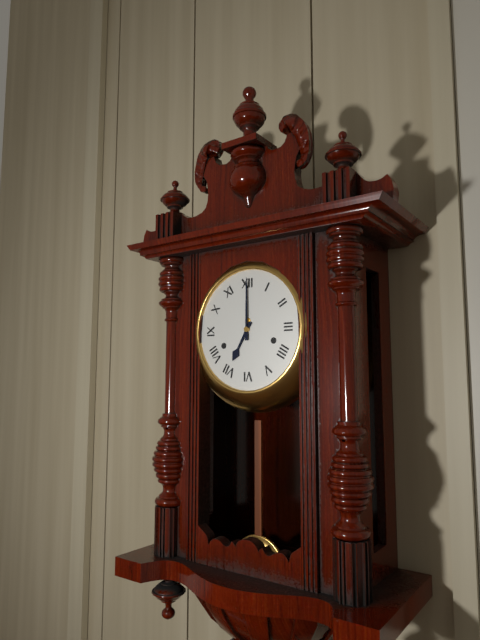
7:00
